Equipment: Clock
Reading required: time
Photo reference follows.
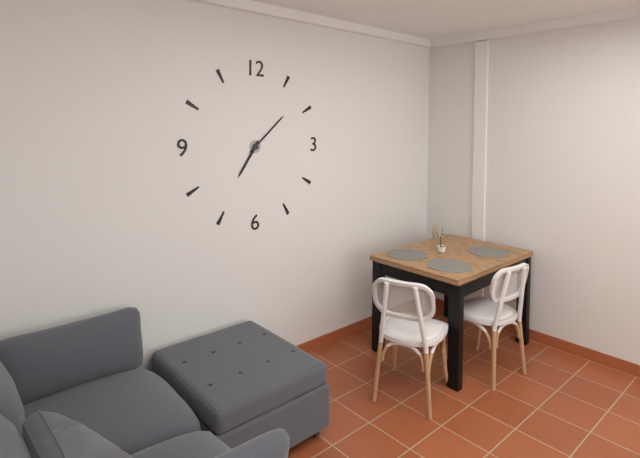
7:08
